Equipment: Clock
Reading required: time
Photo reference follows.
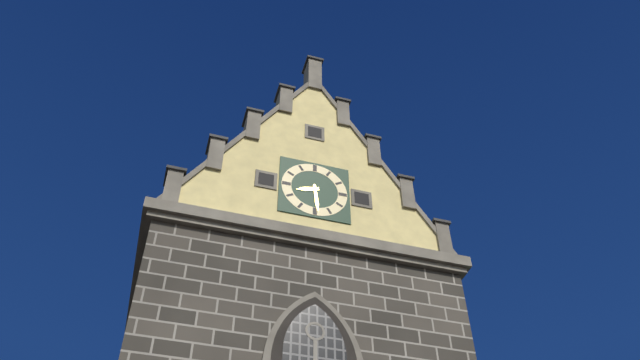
8:29
